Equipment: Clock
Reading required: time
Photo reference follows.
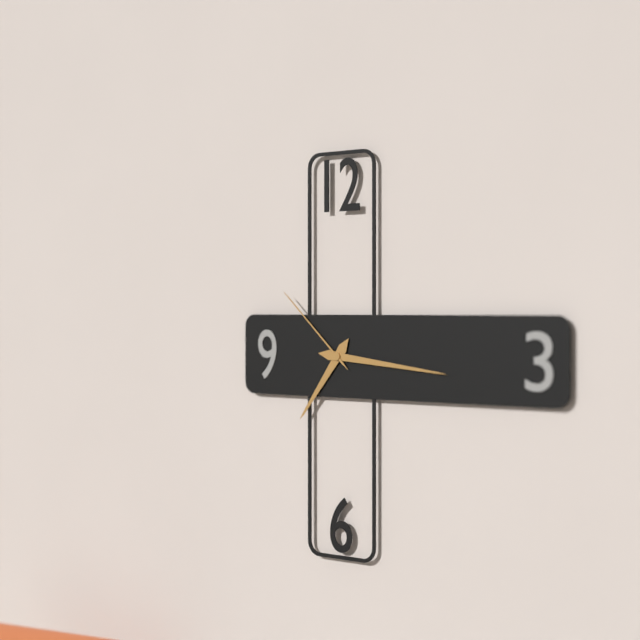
7:16:52
